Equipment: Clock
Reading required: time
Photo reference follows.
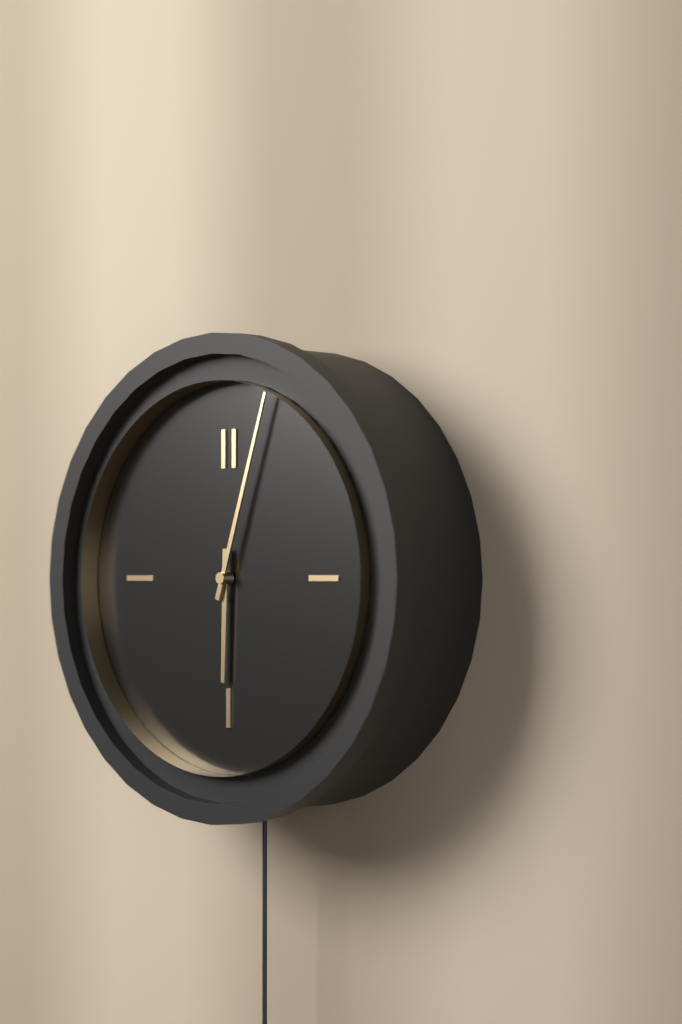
6:03
